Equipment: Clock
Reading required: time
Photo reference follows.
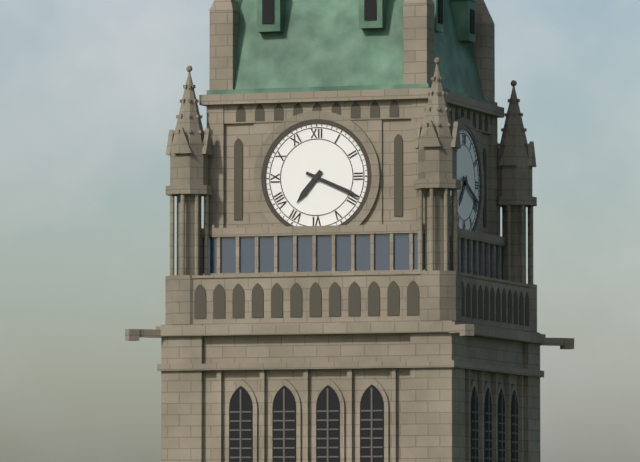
7:19
